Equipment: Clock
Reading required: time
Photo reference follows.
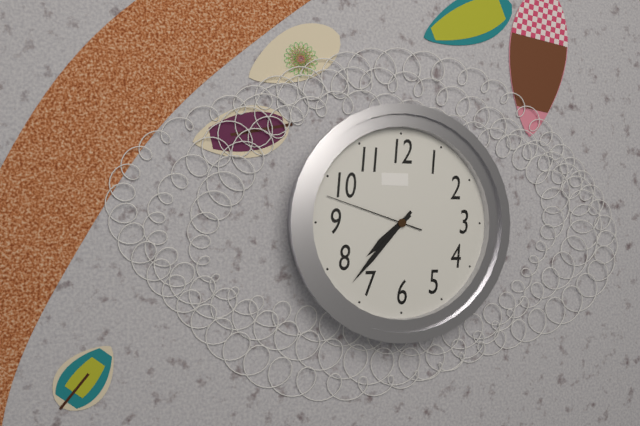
7:37:48
